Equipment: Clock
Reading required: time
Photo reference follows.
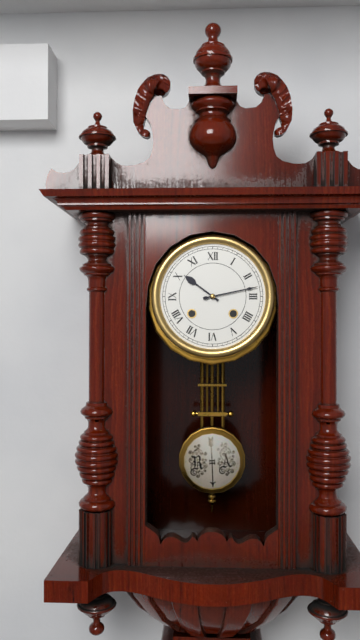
10:13
